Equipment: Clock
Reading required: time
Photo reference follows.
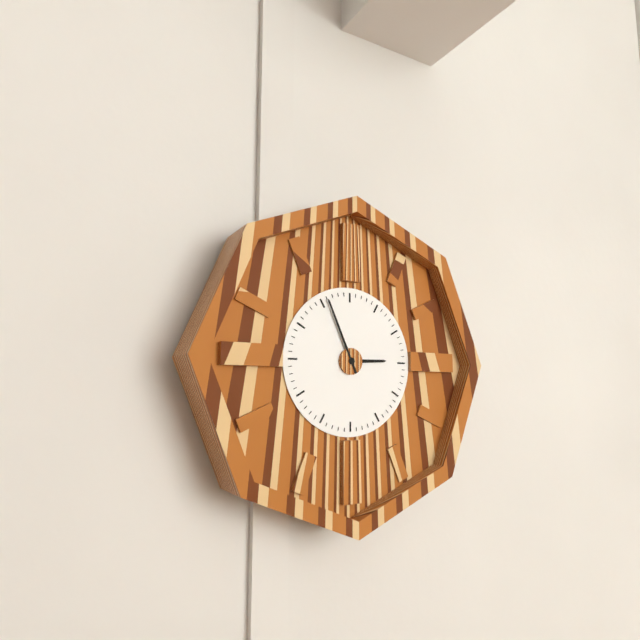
2:56
